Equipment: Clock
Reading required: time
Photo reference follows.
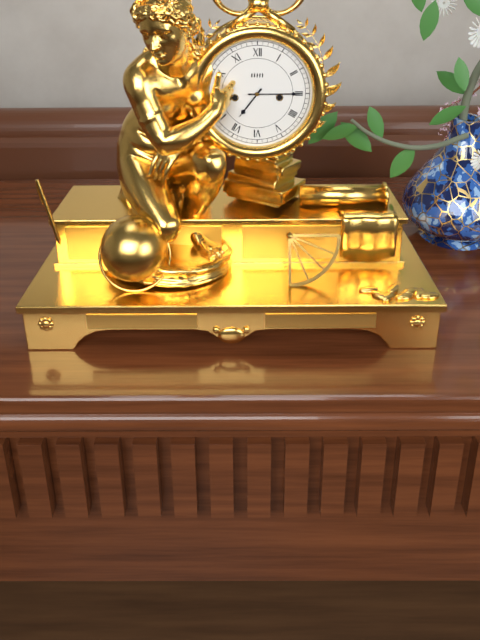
7:15
